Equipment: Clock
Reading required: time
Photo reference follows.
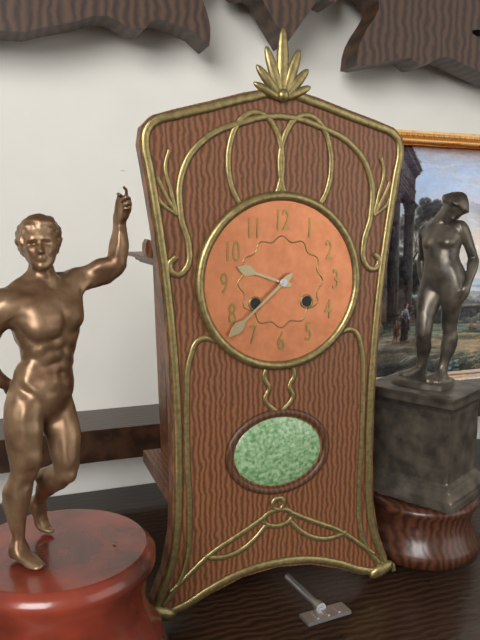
9:38
